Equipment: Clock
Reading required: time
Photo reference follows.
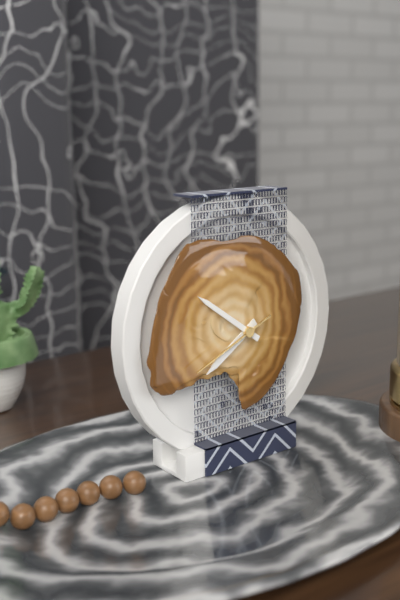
7:51:41
